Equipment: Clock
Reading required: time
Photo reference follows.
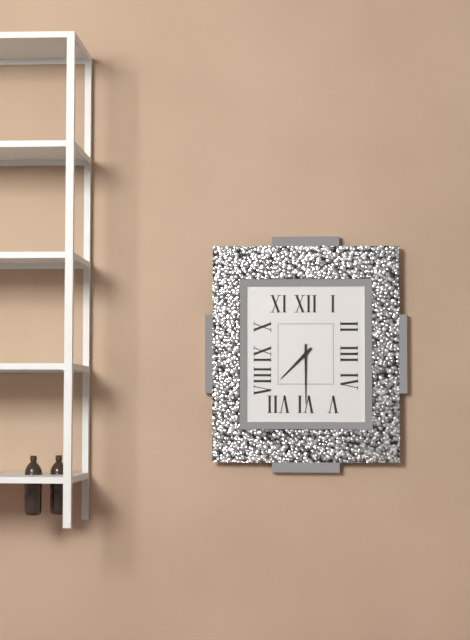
7:30
